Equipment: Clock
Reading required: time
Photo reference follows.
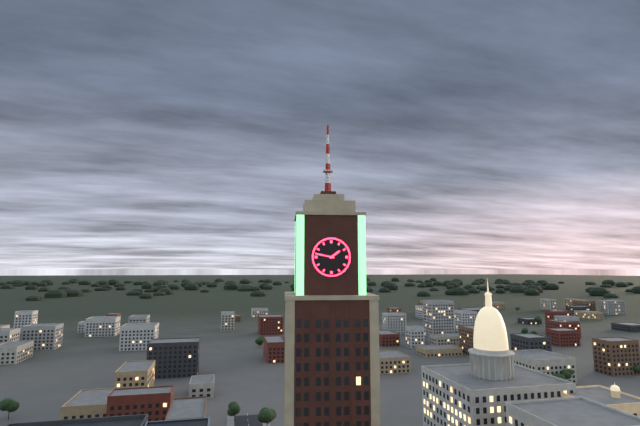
1:47
